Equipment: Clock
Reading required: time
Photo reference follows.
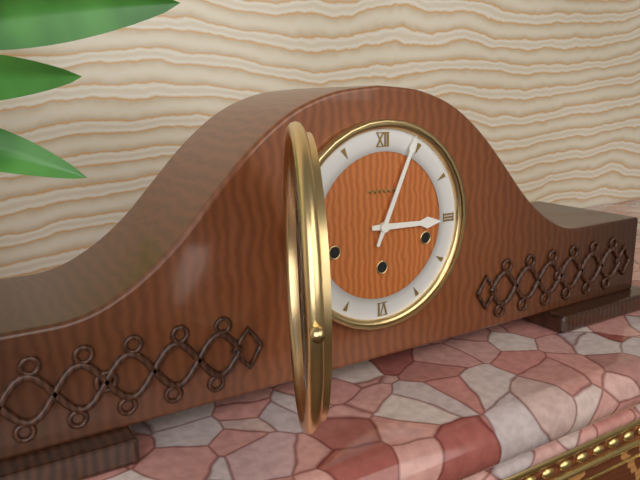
3:04
